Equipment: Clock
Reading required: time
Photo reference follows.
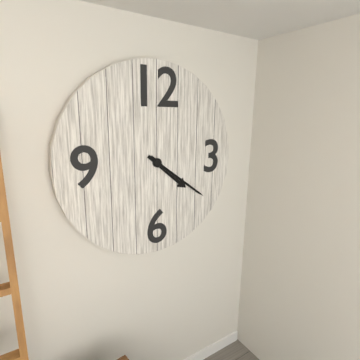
4:21
